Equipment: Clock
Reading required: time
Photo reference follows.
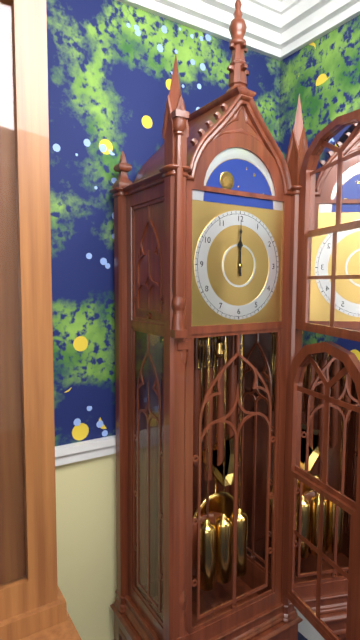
12:00
